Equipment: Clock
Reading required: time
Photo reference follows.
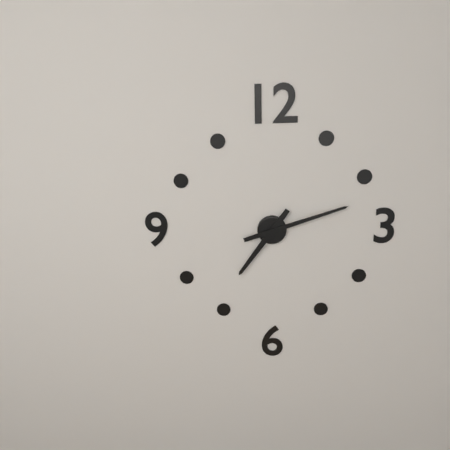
7:12
